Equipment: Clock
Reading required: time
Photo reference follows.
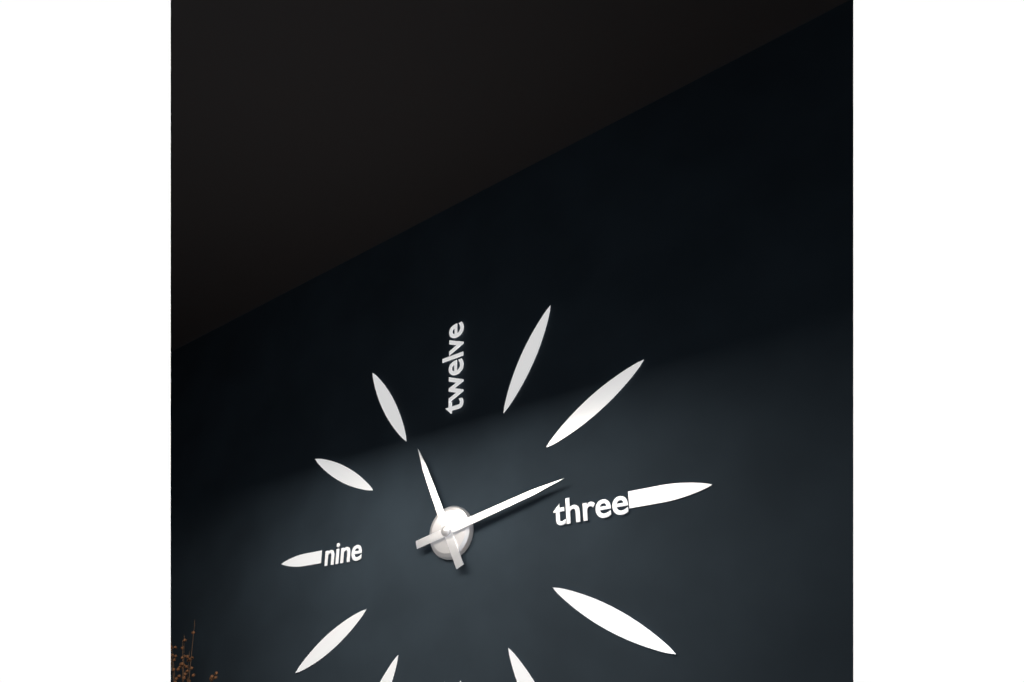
11:13
